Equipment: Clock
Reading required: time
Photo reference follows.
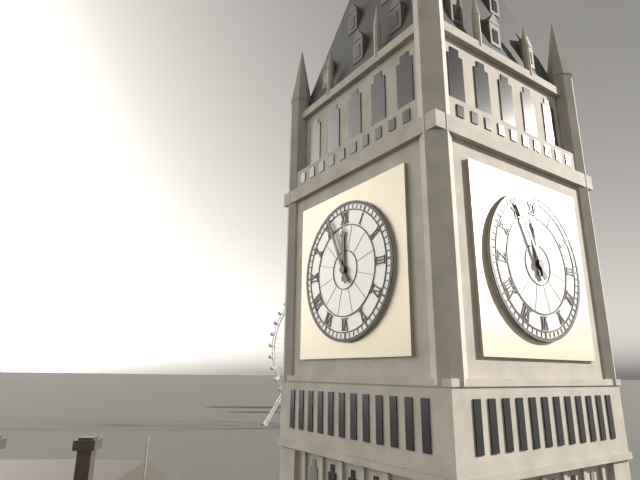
11:56
